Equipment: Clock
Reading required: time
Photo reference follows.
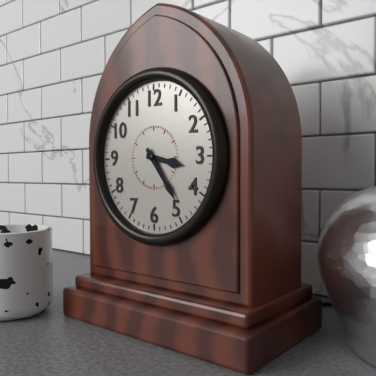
3:24
